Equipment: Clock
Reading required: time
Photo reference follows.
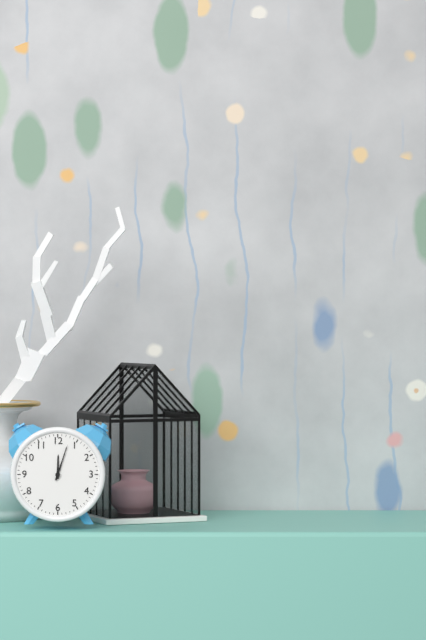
12:03
